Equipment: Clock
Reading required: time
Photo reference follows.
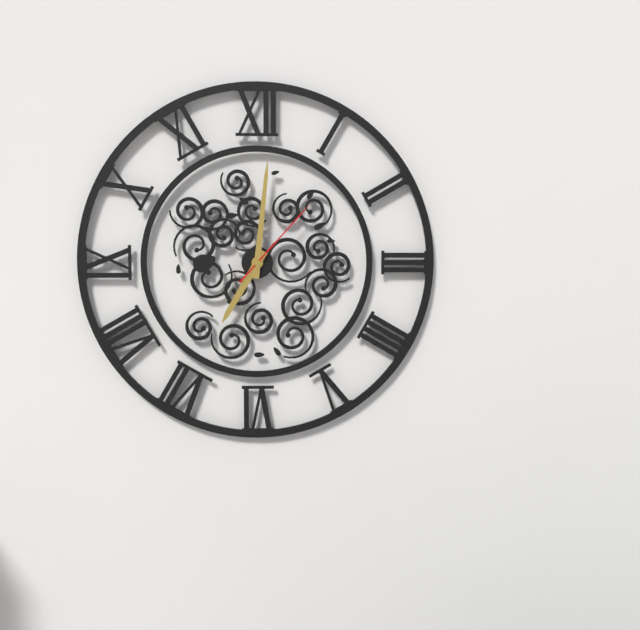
7:01:07
